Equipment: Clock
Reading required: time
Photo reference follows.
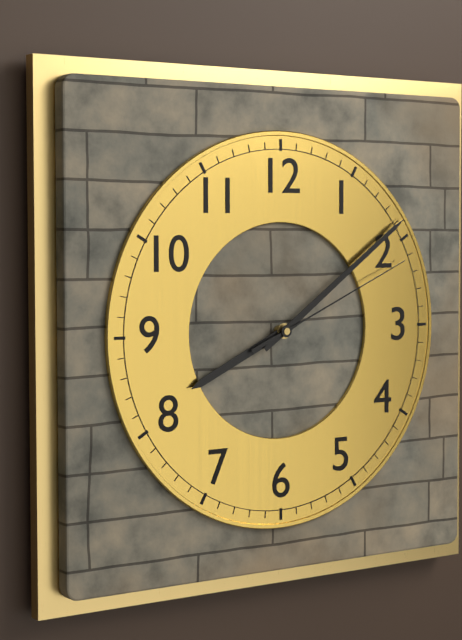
8:09:11
